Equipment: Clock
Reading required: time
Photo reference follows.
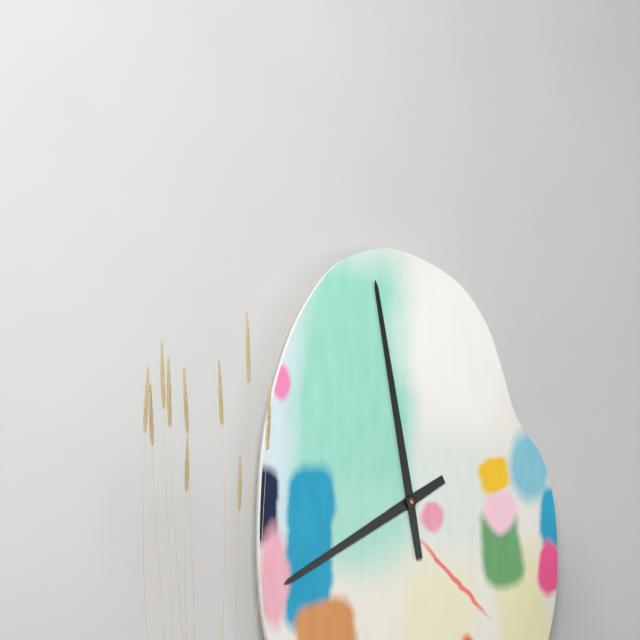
7:58
